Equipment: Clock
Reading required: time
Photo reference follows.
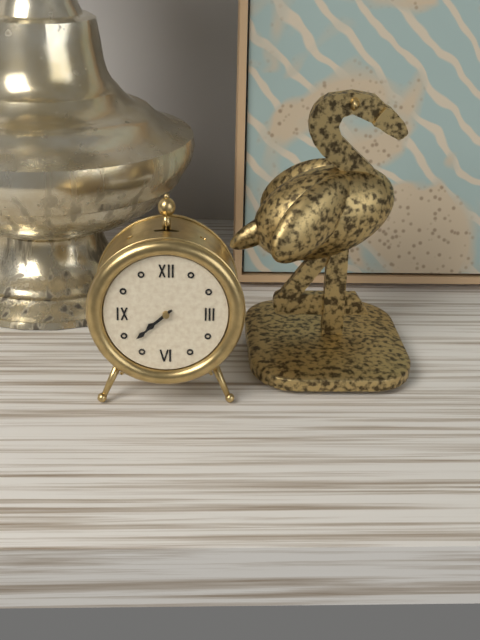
7:38
